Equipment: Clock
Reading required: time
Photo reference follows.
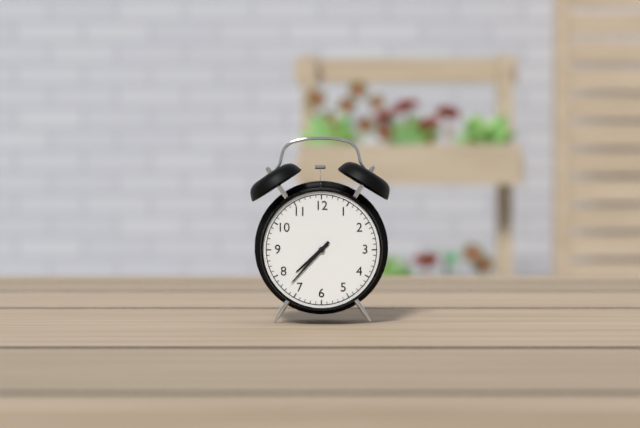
7:37
